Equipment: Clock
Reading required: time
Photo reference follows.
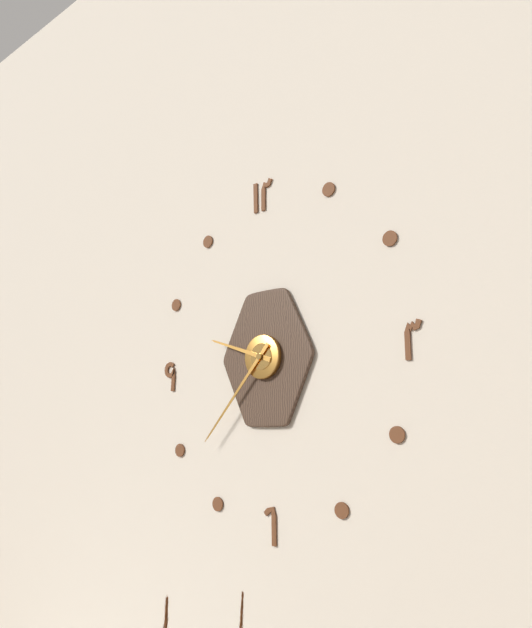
9:37
